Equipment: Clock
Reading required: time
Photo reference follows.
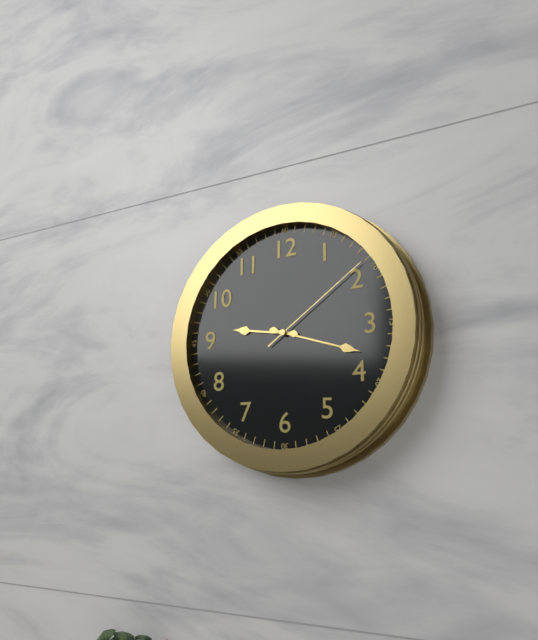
9:18:09
